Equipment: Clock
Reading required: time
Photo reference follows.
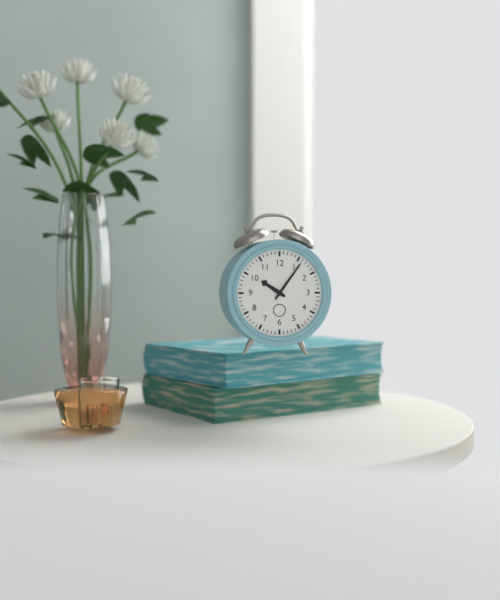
10:06
